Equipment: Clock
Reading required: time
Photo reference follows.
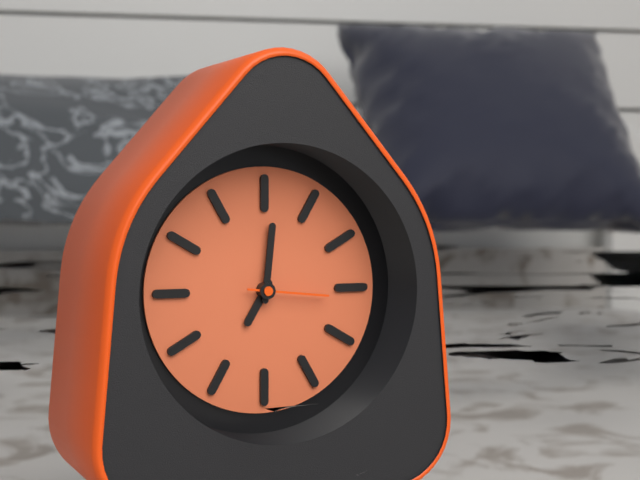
7:01:16
